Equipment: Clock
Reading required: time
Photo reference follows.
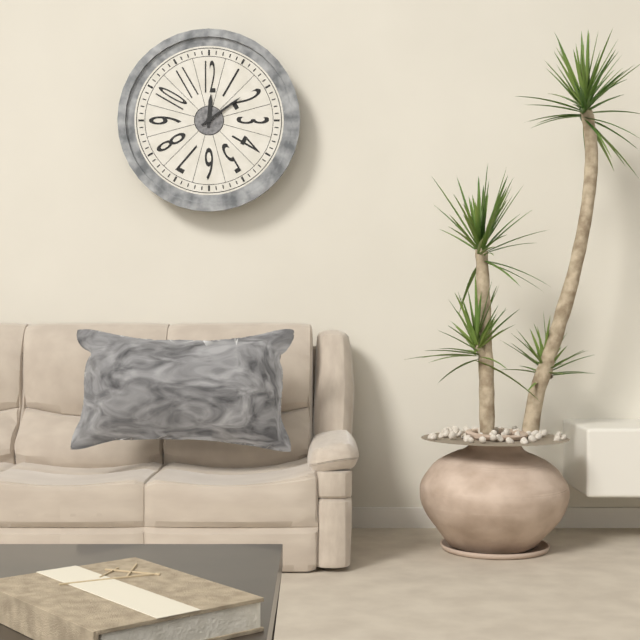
12:09
